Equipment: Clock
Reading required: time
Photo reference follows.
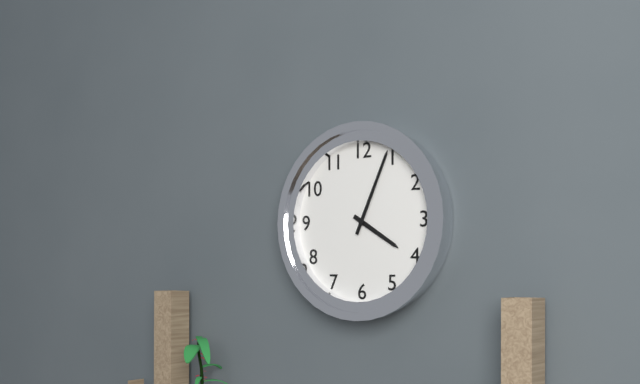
4:04
